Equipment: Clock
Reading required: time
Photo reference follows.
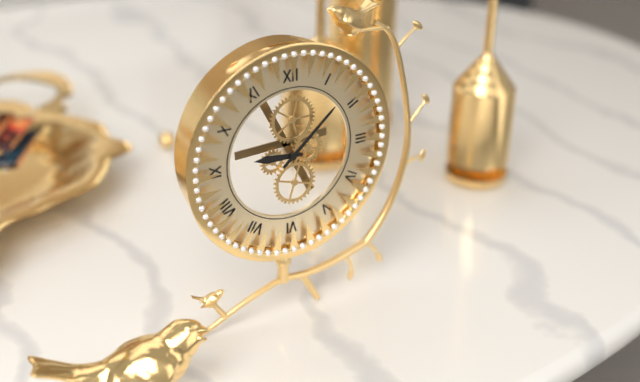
9:08
